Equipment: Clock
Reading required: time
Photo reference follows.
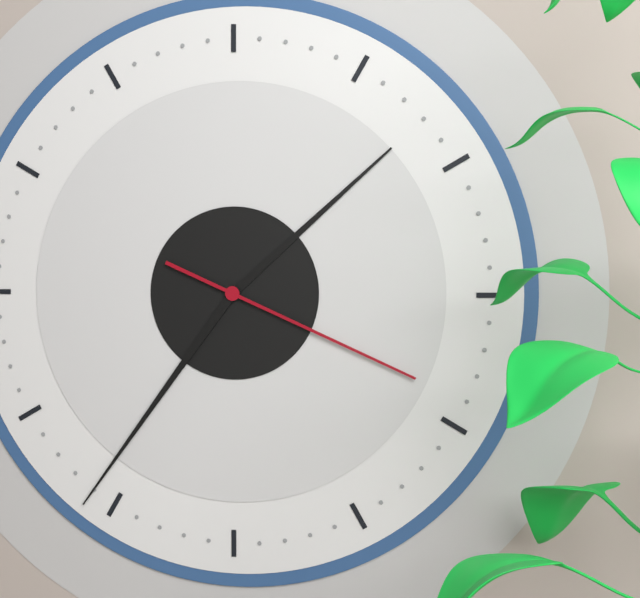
1:36:19
